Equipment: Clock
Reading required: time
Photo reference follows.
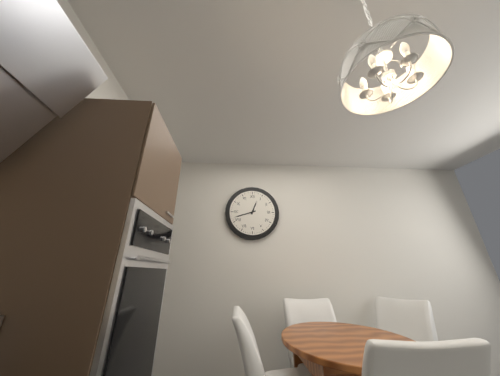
12:42
